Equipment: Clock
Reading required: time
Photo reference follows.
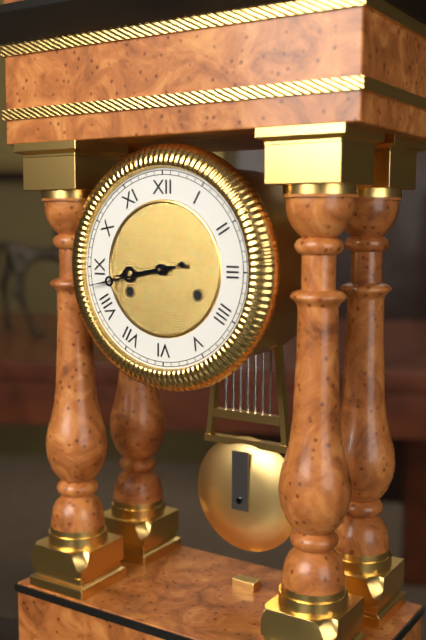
8:43:43
